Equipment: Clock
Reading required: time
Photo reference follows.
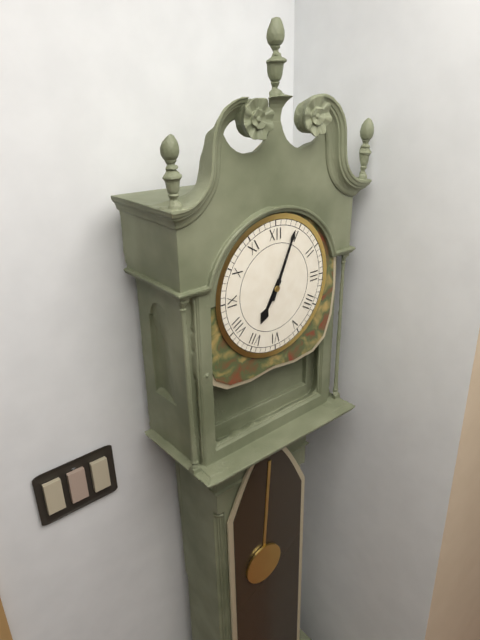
7:04
